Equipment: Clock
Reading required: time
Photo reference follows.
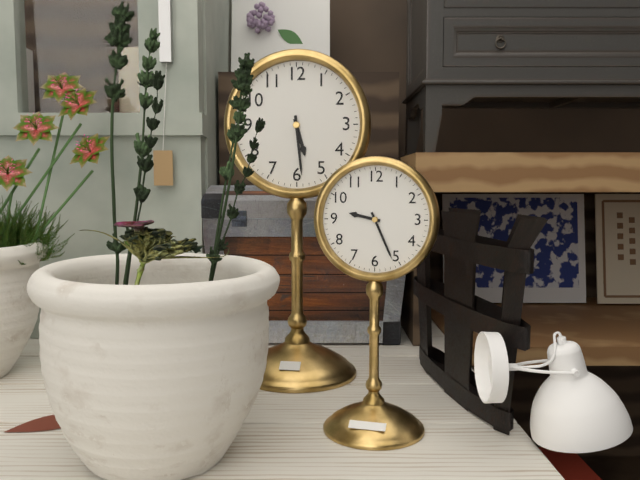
5:29
